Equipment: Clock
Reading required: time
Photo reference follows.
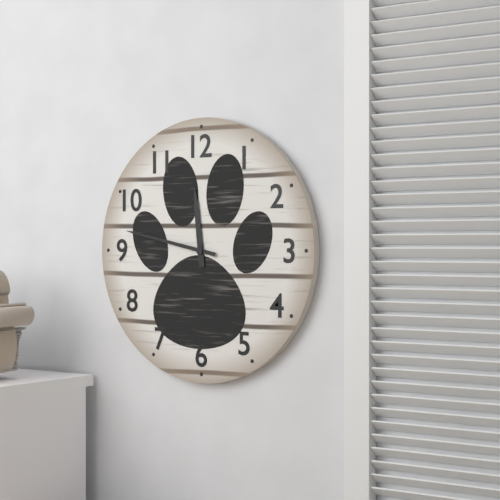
11:47
